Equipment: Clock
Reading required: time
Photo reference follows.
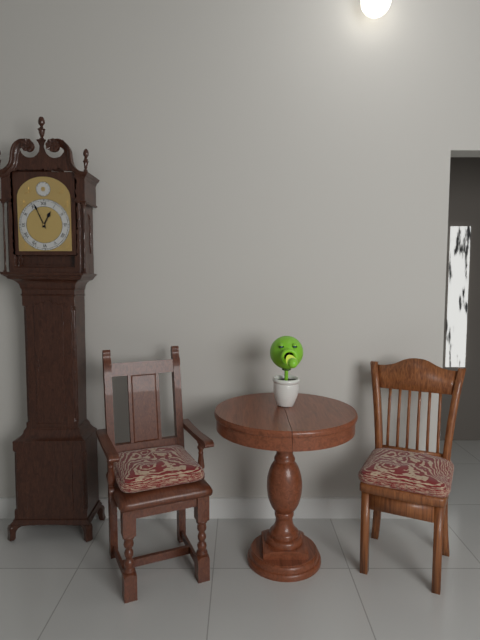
12:56
